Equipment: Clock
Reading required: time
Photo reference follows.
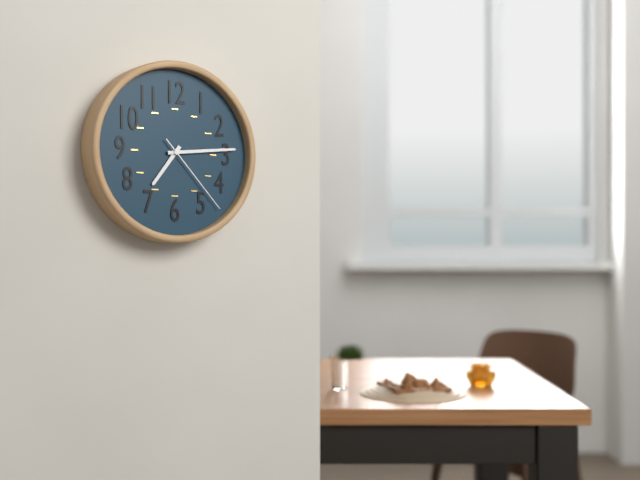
7:14:23
